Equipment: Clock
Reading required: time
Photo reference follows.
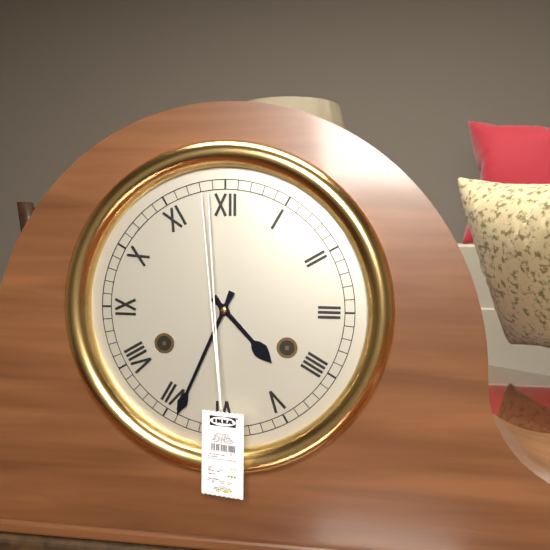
4:34
